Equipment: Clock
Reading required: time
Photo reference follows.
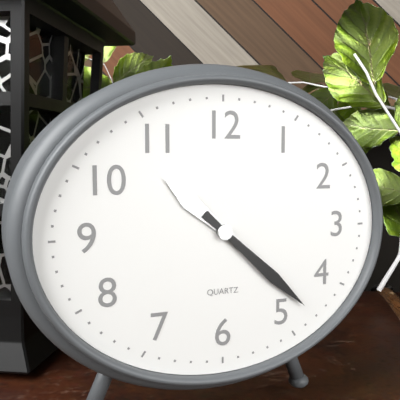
10:22
